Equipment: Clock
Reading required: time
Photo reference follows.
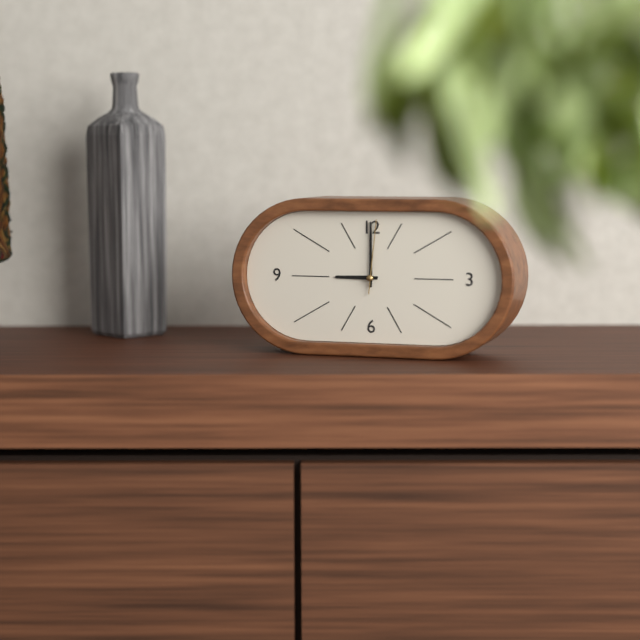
9:00:01
